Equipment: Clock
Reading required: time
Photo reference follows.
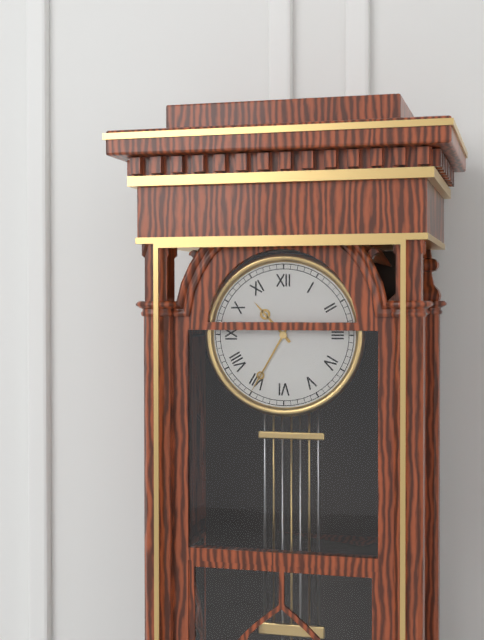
10:35
